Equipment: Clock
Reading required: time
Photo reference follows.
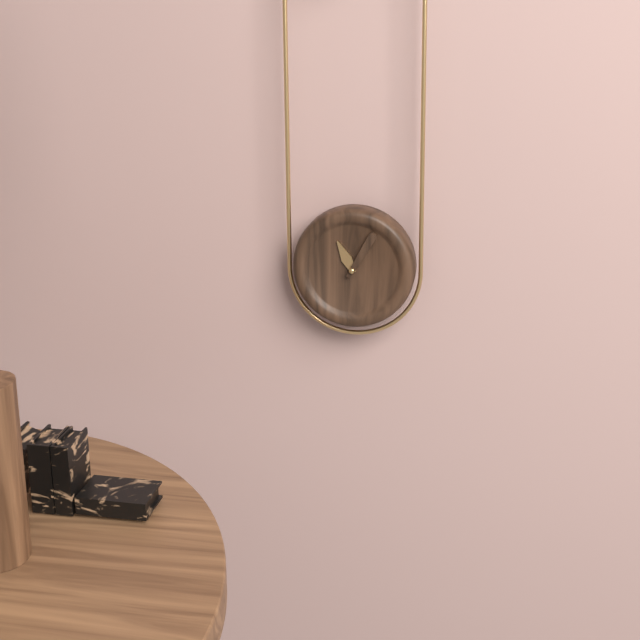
11:05
